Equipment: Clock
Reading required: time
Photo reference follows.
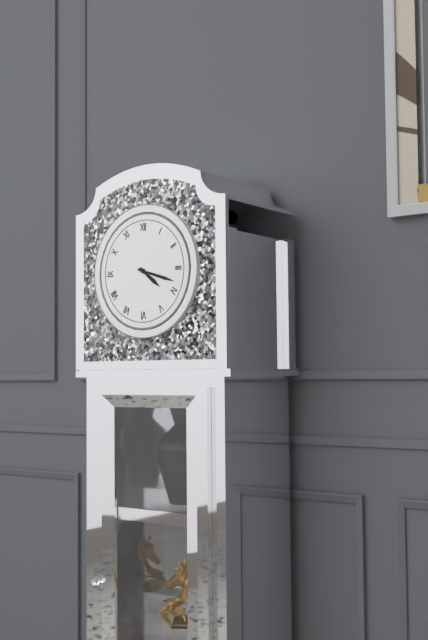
4:18
